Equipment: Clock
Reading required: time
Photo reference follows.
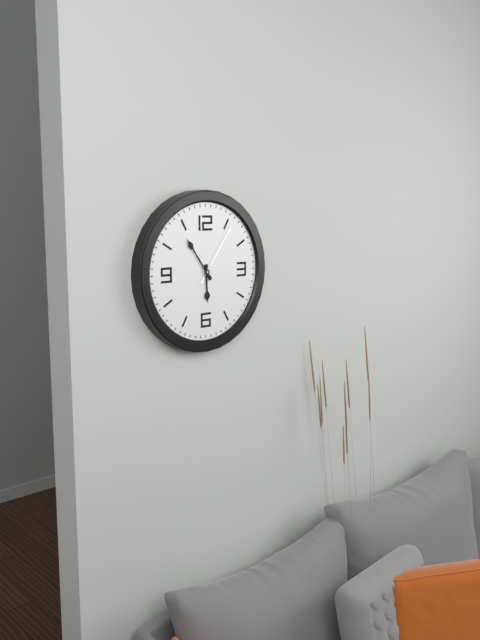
5:54:06
